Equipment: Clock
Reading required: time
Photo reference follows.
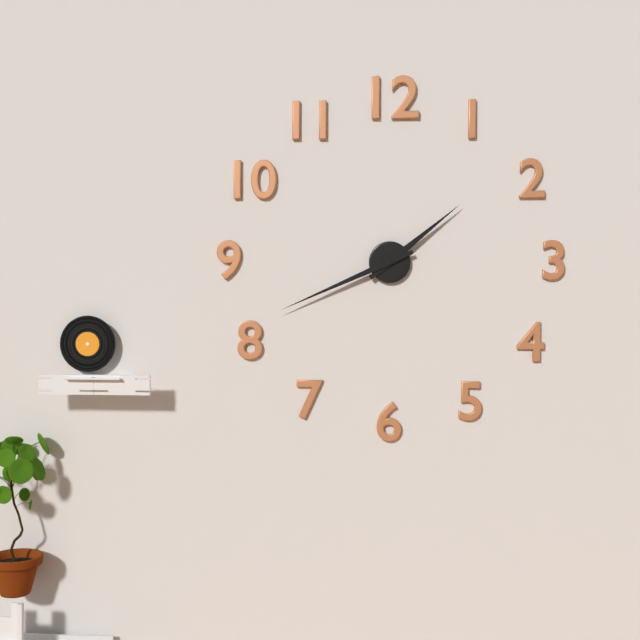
1:41
